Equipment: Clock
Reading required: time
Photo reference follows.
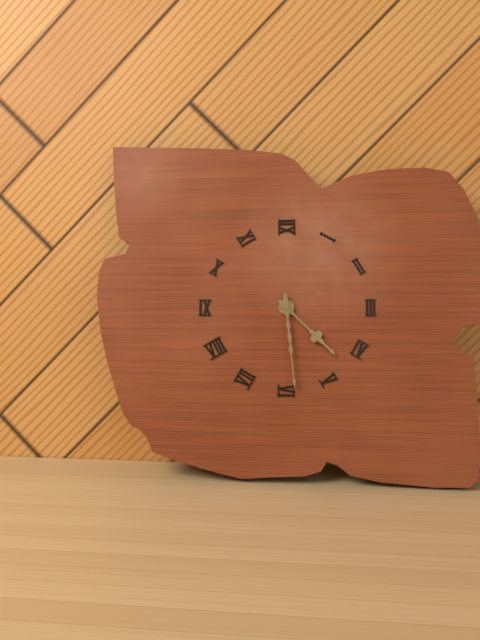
4:29
